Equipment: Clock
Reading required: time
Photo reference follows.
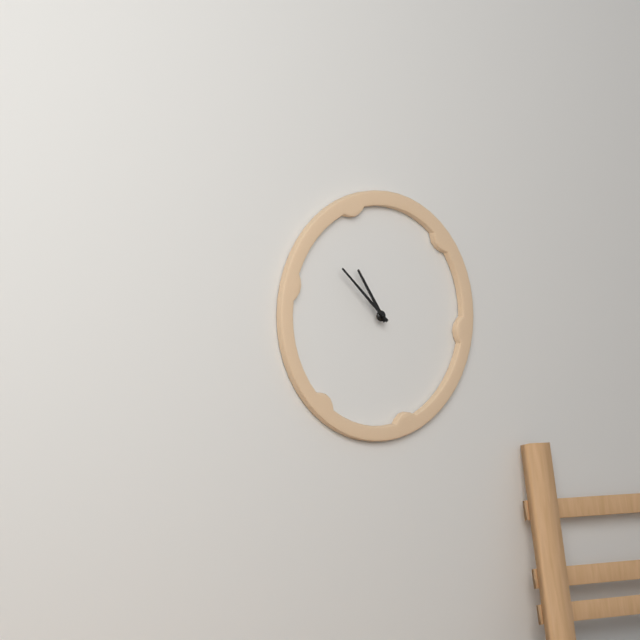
10:52
